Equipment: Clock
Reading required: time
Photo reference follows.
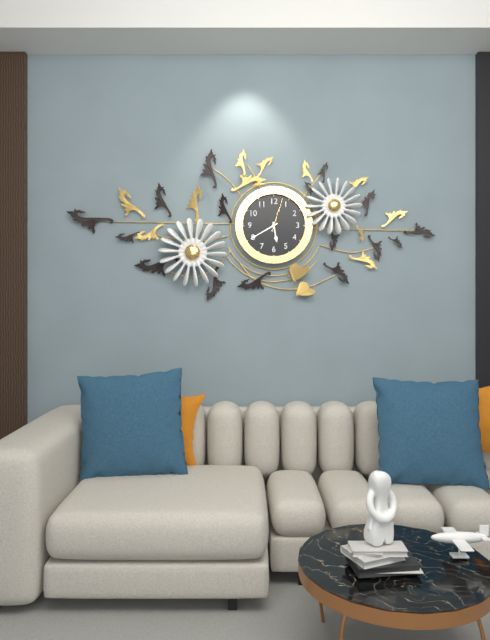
5:40
